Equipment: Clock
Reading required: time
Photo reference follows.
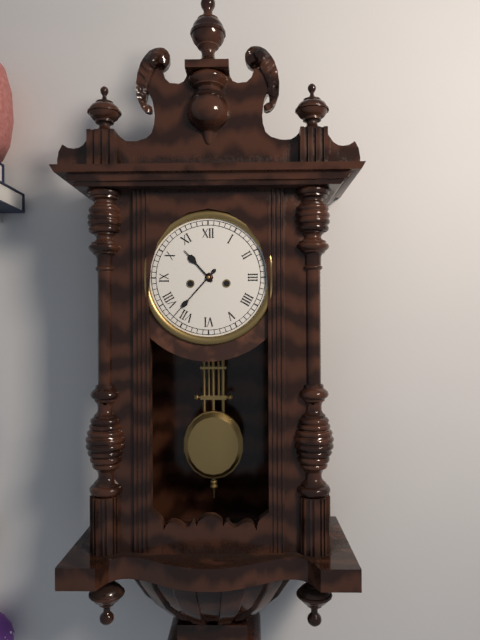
10:37
